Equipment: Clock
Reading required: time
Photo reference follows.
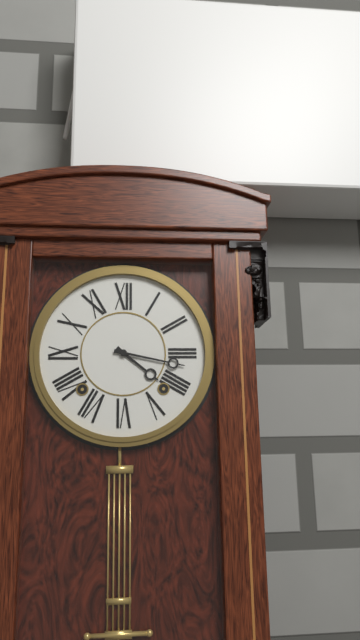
4:17
